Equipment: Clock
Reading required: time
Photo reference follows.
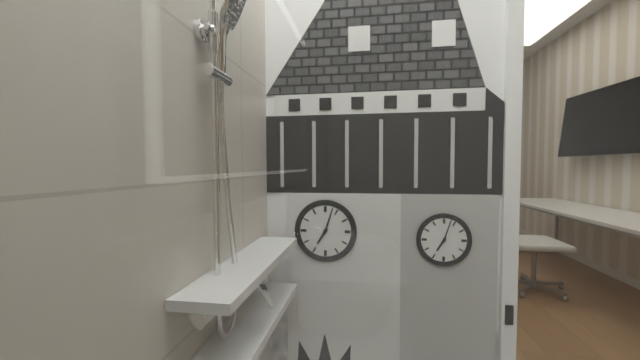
7:03
